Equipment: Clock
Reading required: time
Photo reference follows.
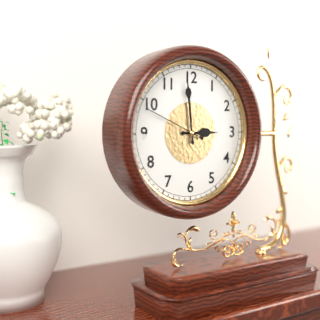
2:59:49
